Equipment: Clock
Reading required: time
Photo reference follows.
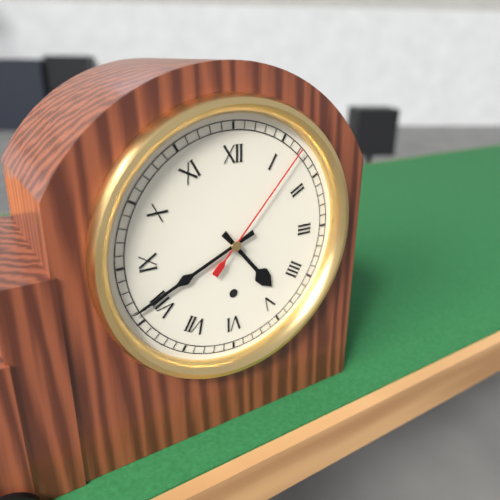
4:41:07
